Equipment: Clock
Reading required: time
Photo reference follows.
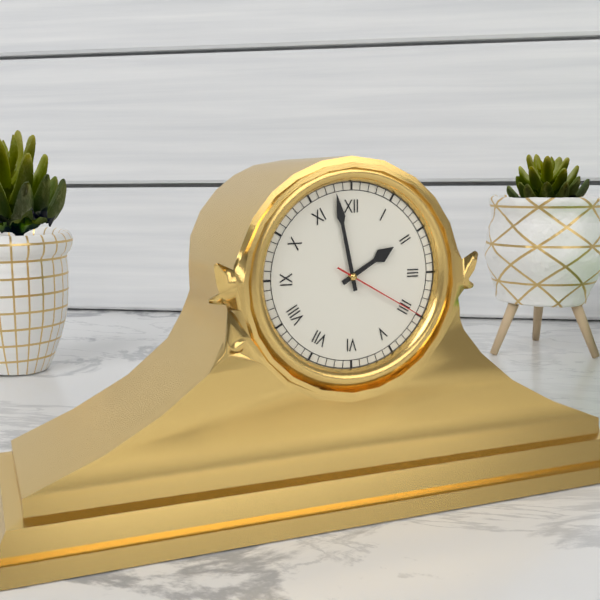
1:58:20
